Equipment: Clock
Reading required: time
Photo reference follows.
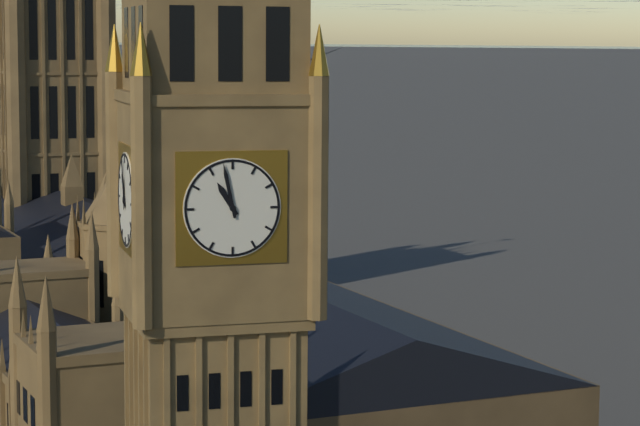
10:58
